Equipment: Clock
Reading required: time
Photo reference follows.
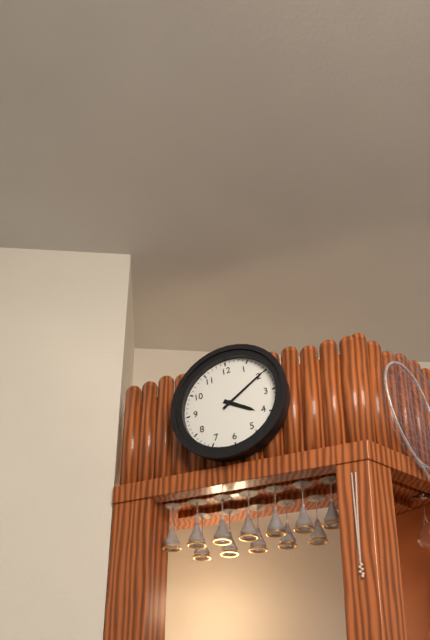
4:10
